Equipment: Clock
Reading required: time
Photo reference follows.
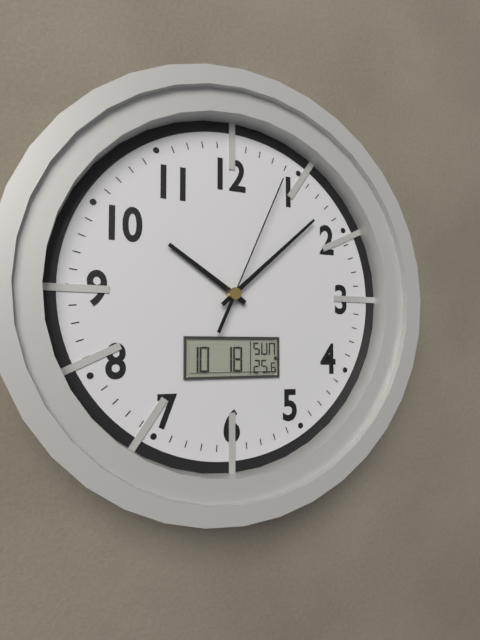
10:08:04
